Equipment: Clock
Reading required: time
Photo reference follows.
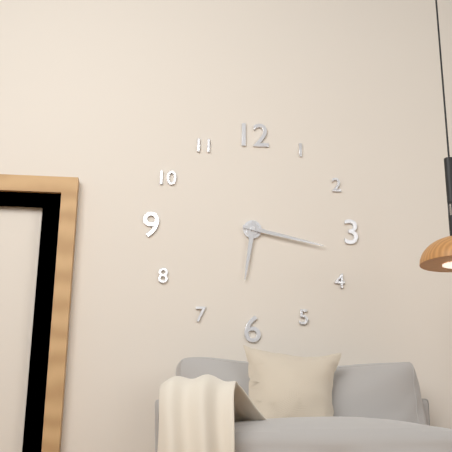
6:17
